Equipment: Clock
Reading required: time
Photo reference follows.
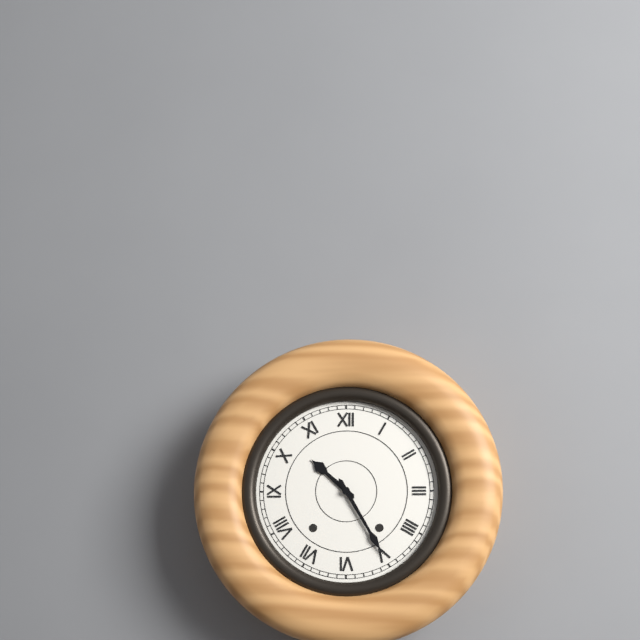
10:25
